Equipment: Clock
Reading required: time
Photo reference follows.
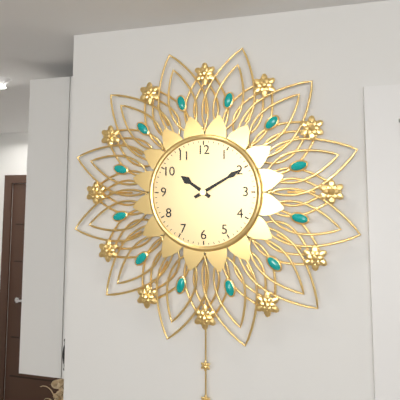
10:10
